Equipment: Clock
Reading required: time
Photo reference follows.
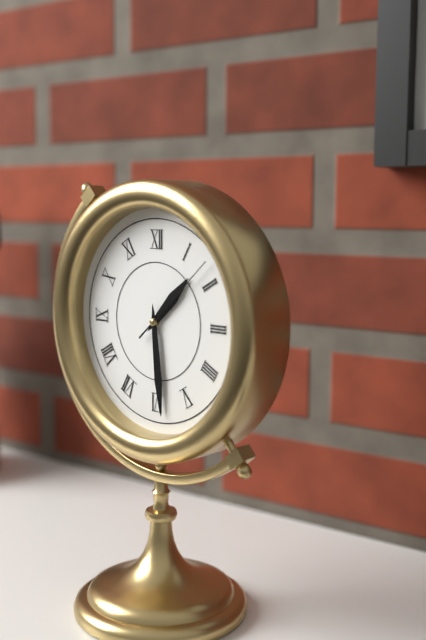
1:29:08
